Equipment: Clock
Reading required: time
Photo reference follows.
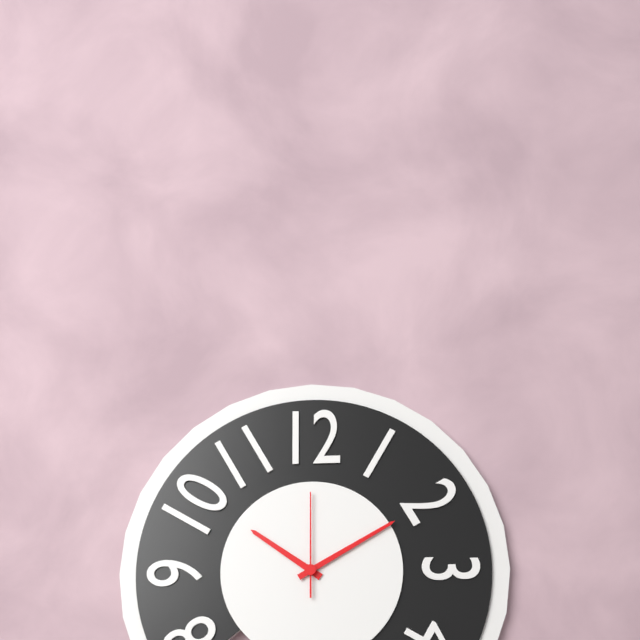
10:10:00
